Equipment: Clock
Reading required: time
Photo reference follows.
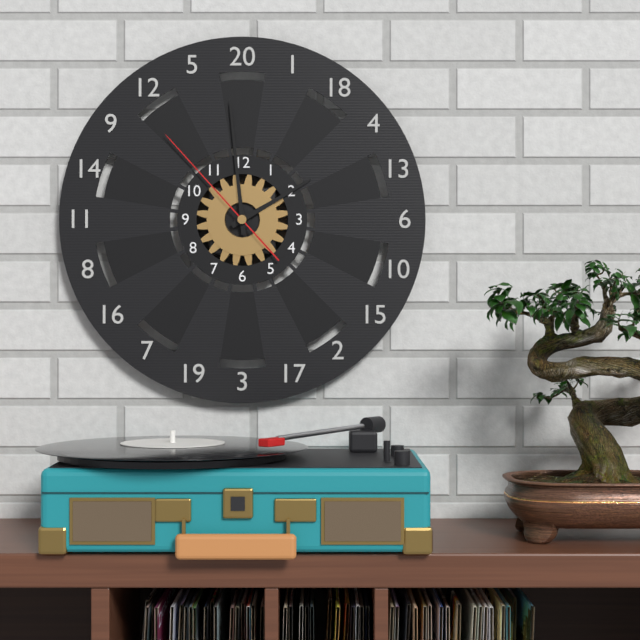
1:59:53
